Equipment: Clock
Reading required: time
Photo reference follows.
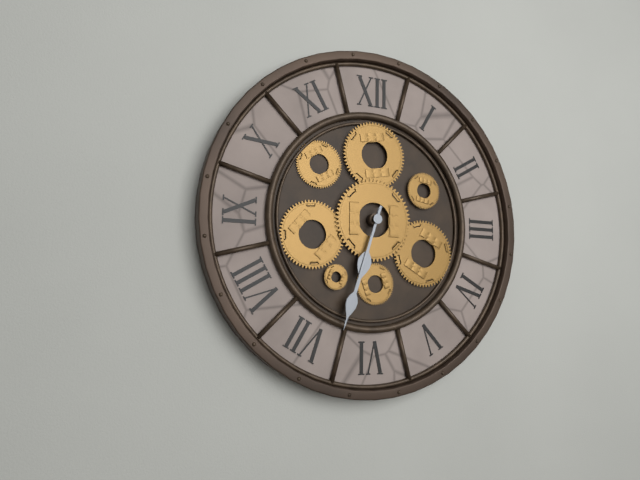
6:33
